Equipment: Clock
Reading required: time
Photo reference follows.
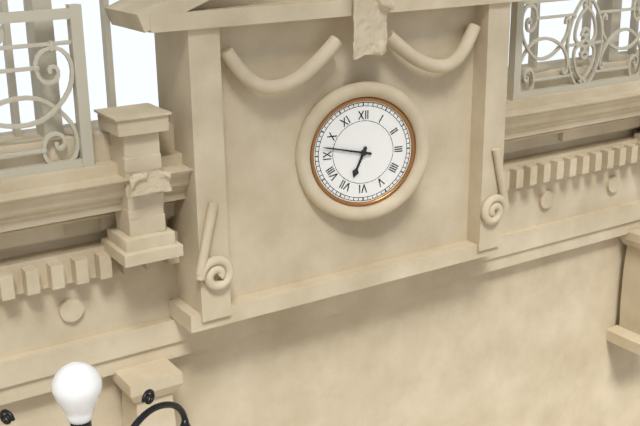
6:47
